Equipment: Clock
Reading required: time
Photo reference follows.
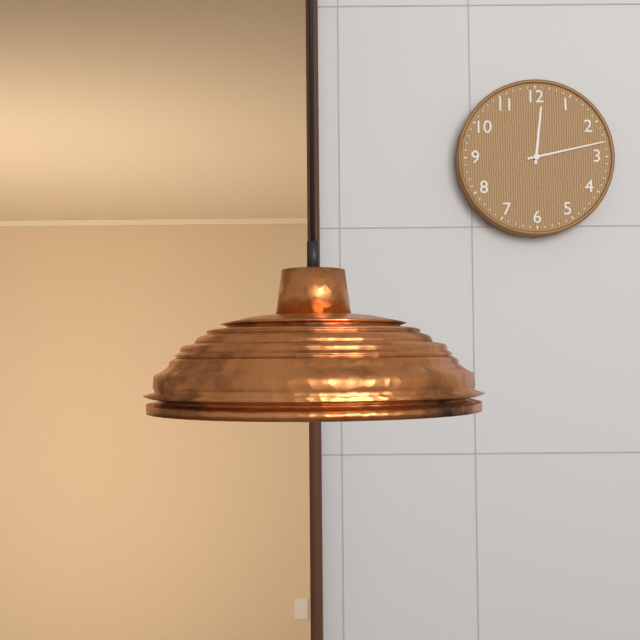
12:13
